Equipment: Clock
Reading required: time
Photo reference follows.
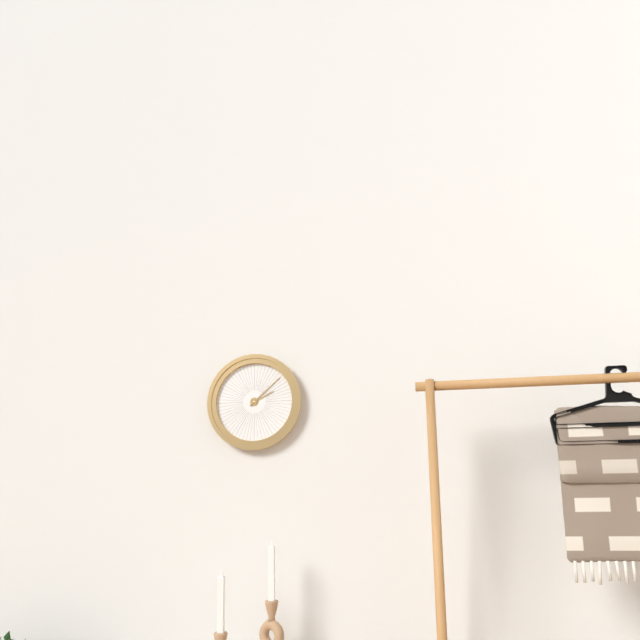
2:08
